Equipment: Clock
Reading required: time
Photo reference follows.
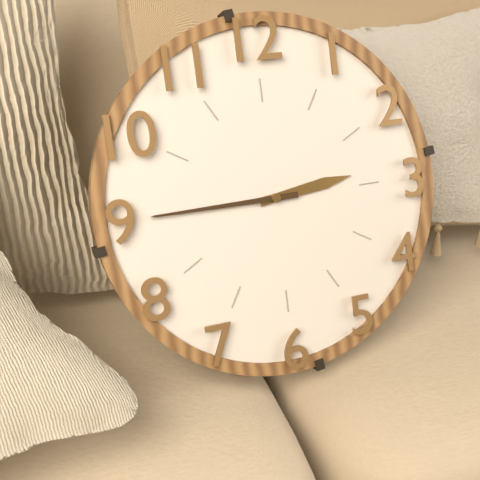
2:45
